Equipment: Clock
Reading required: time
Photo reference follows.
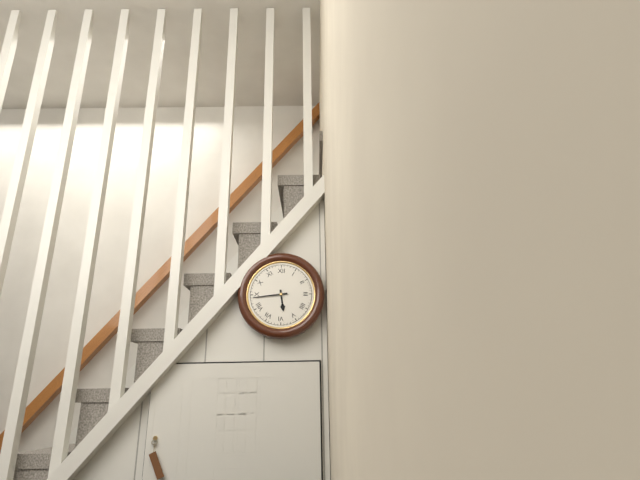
5:44
